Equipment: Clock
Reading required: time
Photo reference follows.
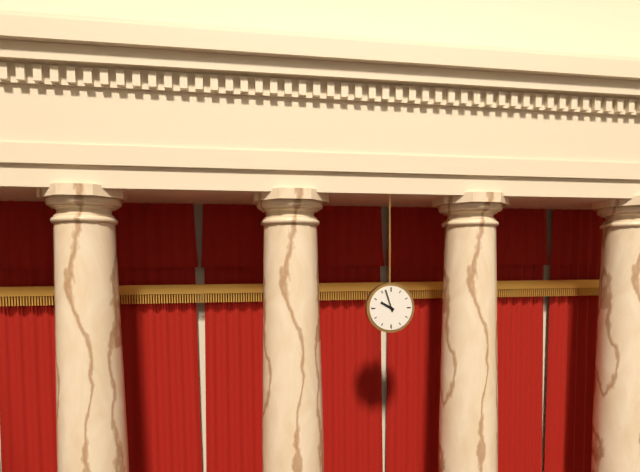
9:57
